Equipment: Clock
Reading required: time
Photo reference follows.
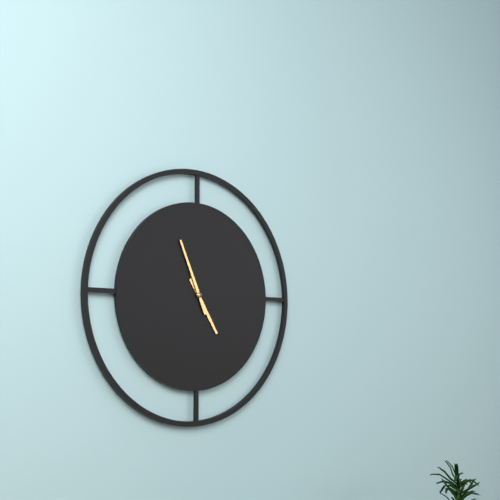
4:56
